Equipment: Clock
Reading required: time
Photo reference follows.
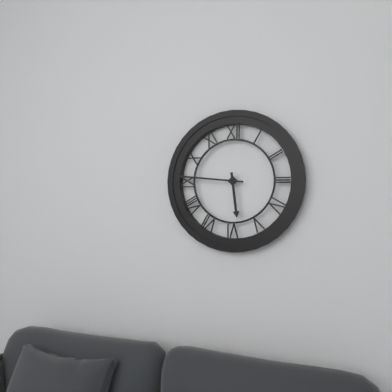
5:46
